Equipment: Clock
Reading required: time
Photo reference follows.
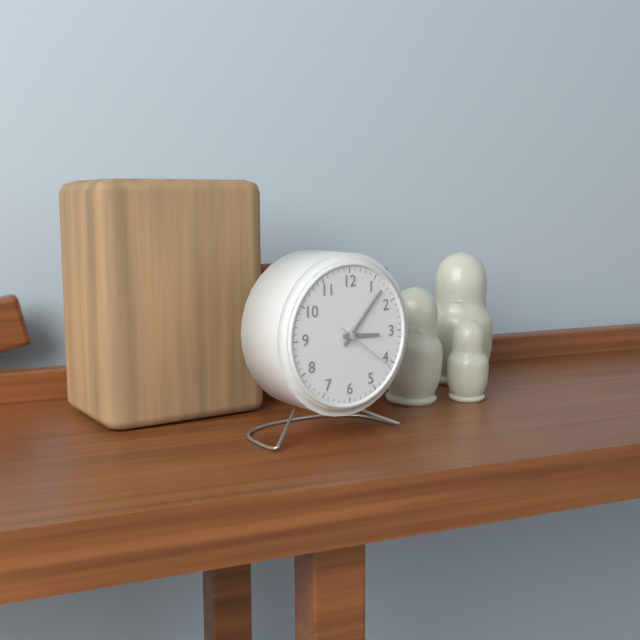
3:07:21
